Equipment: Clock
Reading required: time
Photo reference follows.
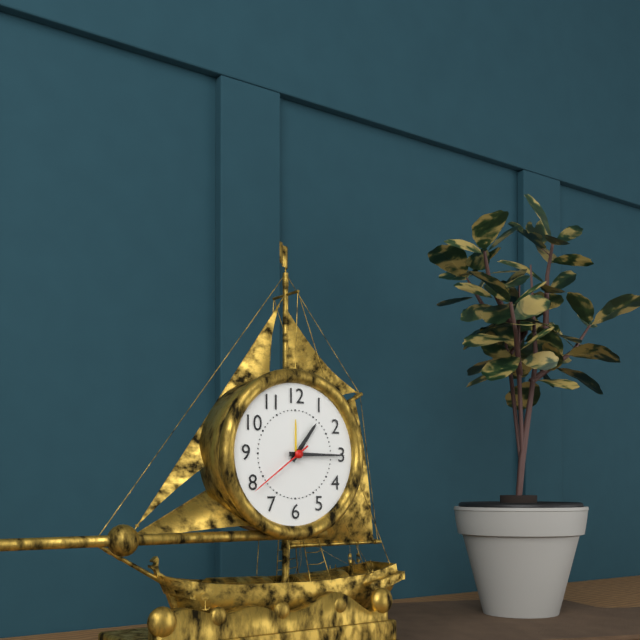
1:15:39
